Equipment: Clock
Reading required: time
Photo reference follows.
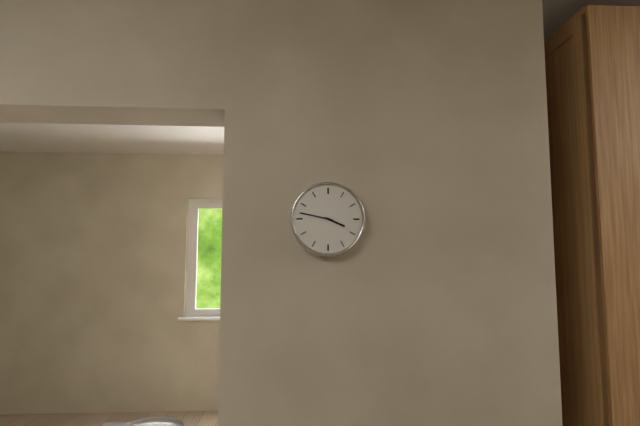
3:47
